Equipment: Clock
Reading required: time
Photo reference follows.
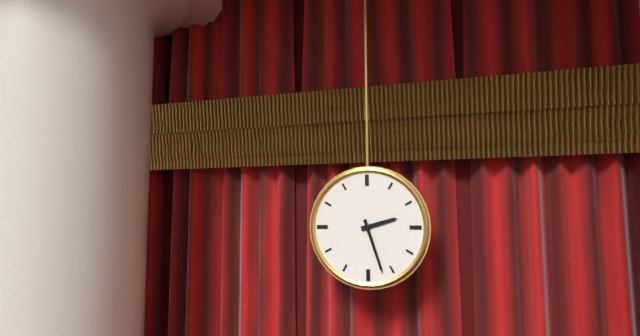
2:27
